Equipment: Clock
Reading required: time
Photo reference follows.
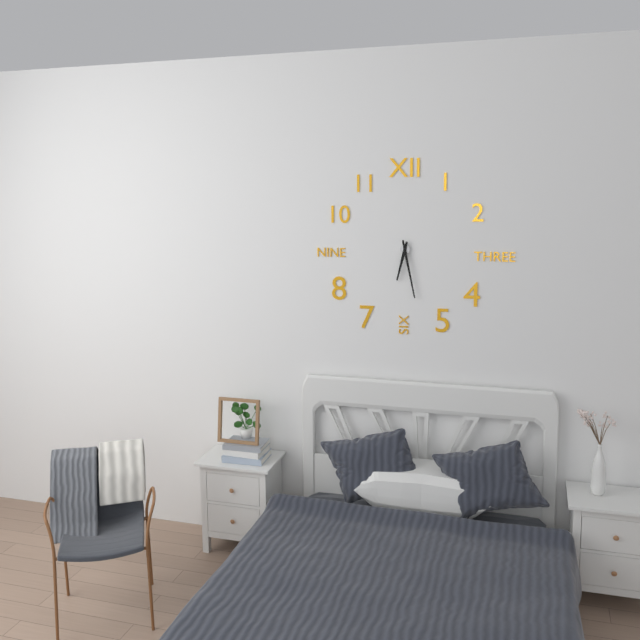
6:28
